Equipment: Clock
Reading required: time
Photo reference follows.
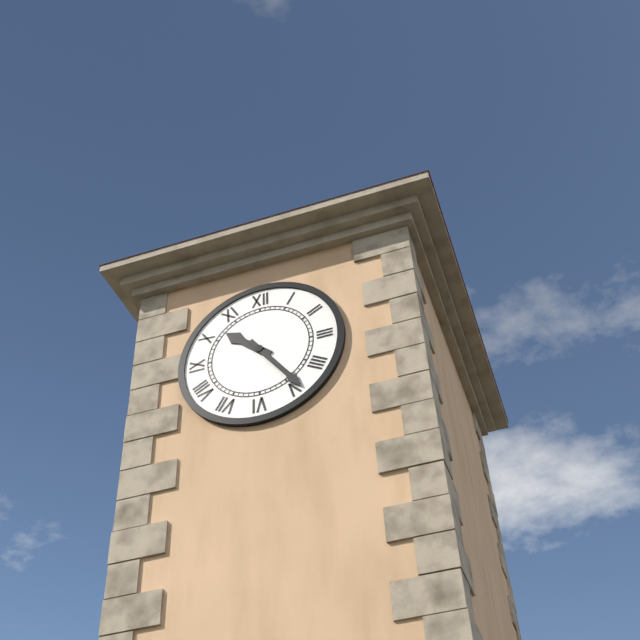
10:24
